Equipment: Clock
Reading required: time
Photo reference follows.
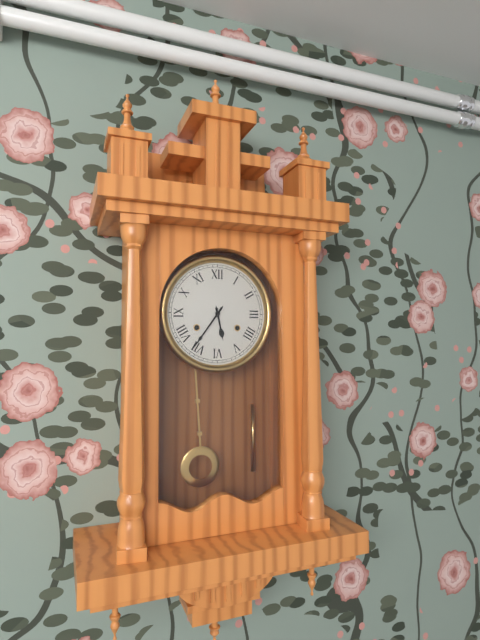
5:36
